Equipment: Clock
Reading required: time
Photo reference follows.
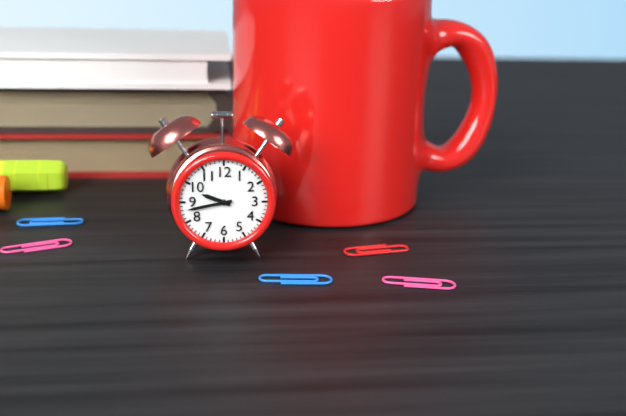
9:43
